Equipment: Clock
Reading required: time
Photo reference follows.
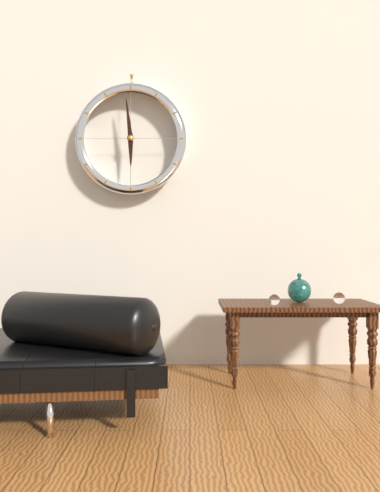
5:59
